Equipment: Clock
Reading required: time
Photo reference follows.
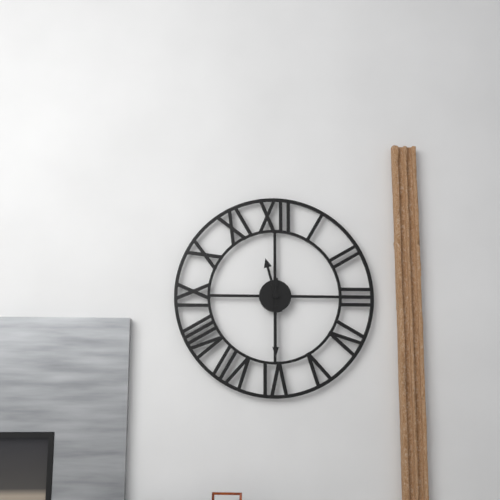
11:30
